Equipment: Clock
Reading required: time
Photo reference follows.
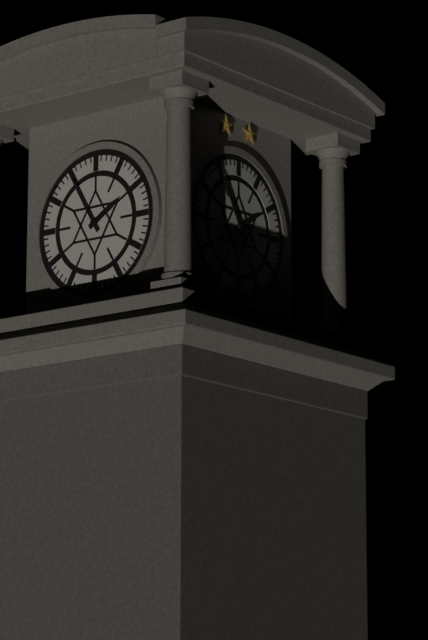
1:55
